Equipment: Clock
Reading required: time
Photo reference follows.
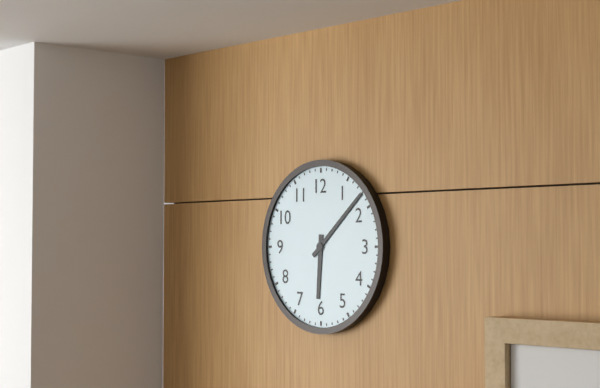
6:08
